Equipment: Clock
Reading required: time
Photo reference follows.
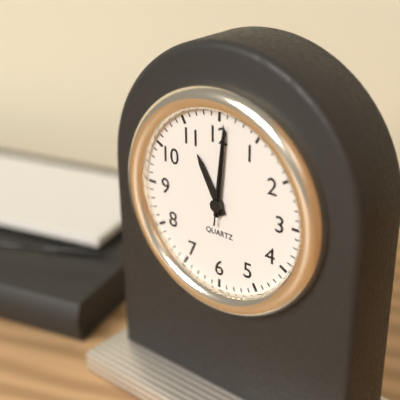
11:01:01
